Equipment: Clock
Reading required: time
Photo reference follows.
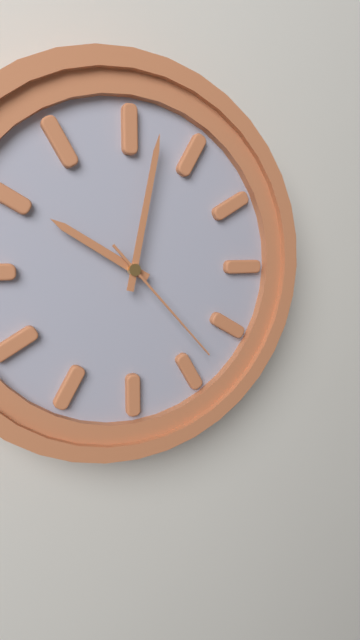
10:02:23
